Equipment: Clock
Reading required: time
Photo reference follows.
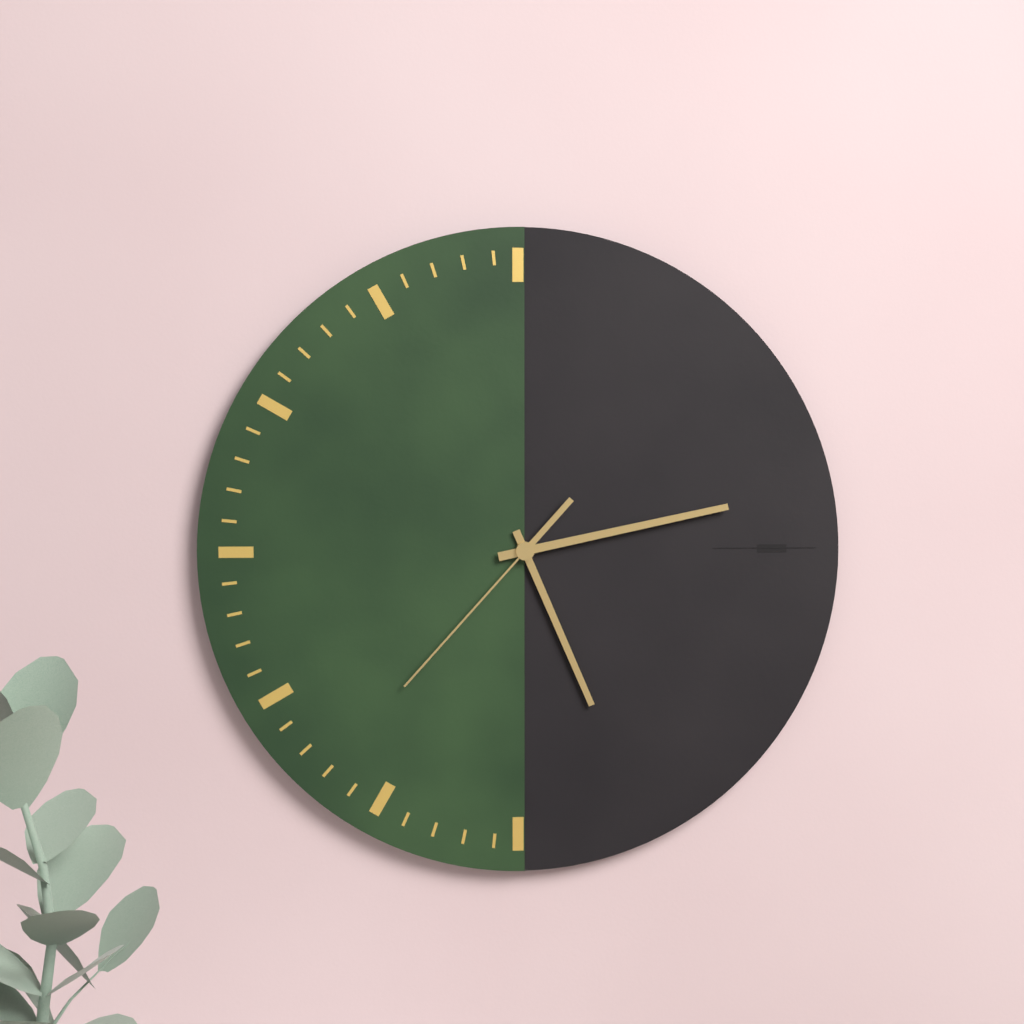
5:13:37
